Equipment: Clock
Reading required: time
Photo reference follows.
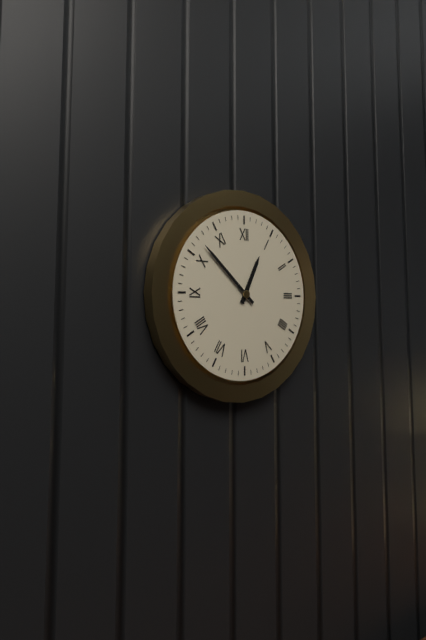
12:52
